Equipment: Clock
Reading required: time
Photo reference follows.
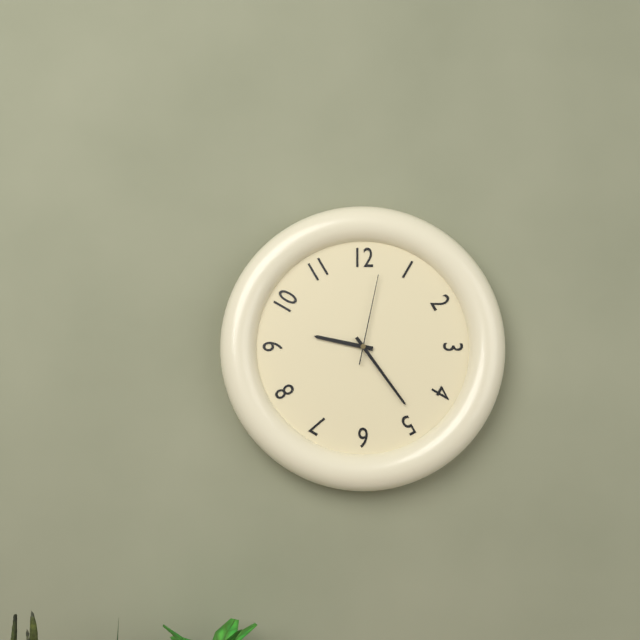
9:24:02
